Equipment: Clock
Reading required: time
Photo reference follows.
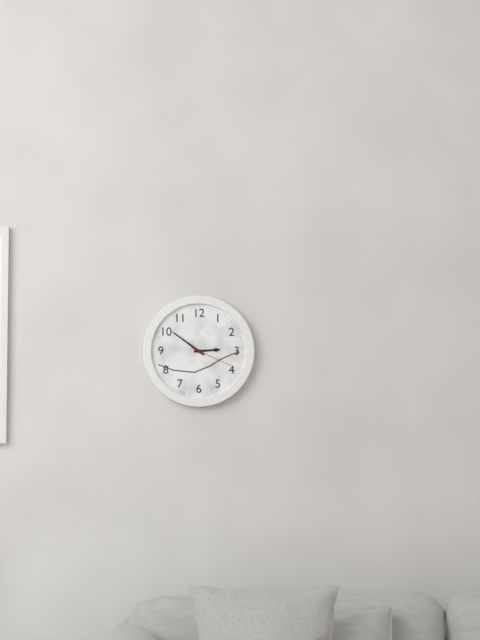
2:51
